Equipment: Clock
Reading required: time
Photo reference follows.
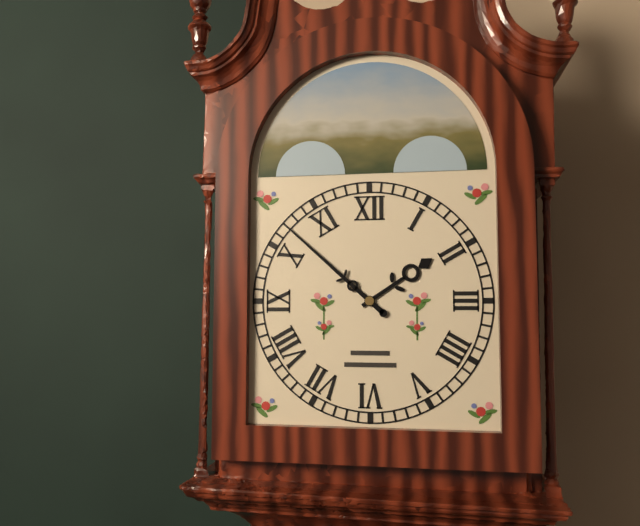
1:52
